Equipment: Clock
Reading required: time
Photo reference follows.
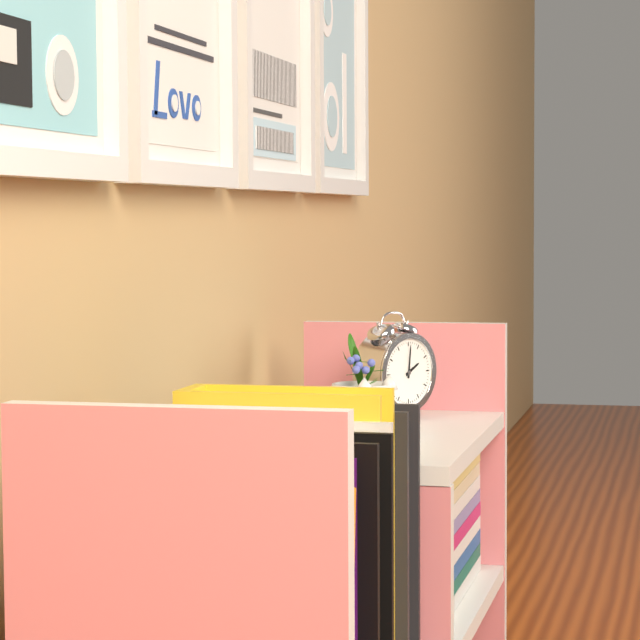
2:01
